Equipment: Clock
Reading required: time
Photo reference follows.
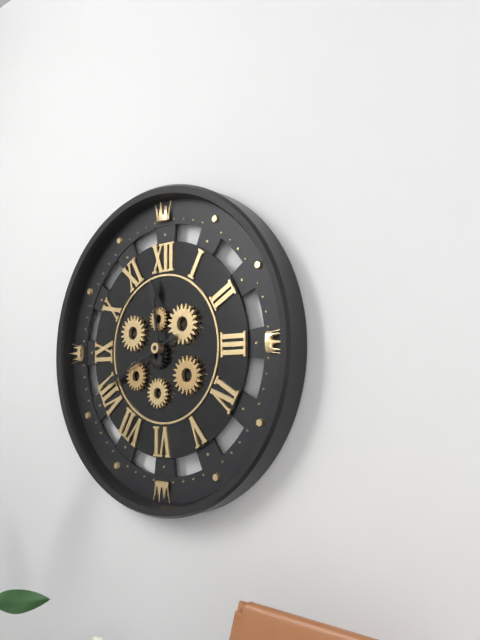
11:41
